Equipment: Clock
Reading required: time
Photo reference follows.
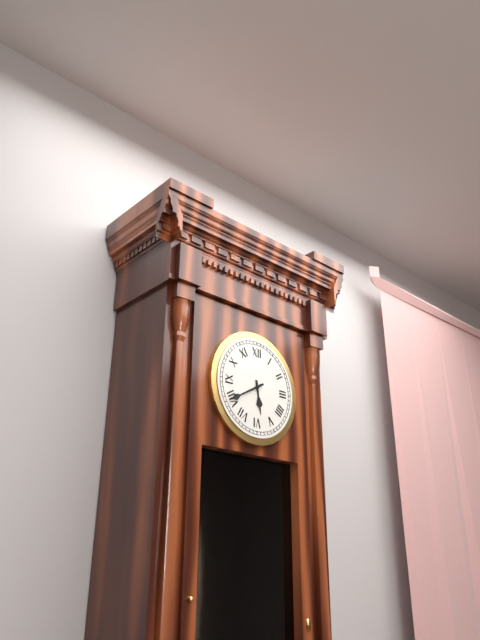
5:40
